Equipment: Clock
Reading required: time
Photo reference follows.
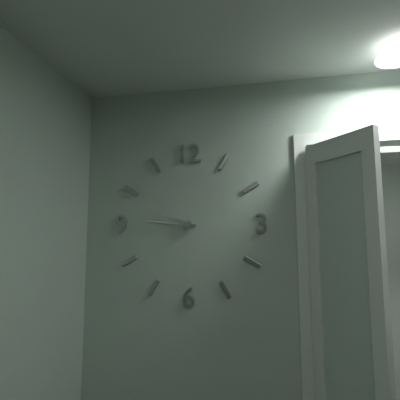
9:46
